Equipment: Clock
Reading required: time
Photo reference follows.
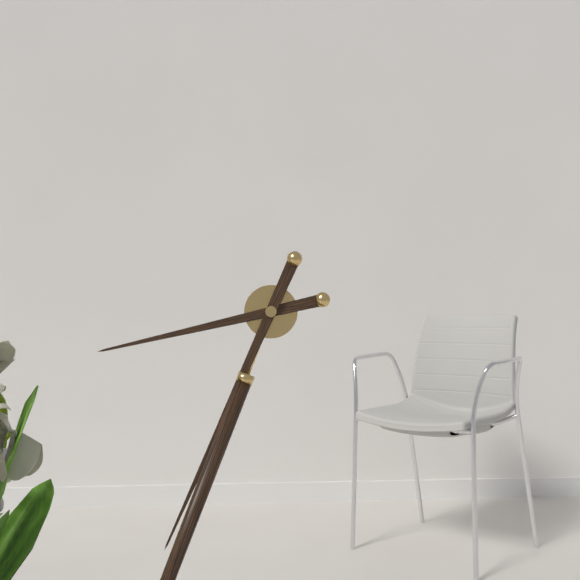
8:34
